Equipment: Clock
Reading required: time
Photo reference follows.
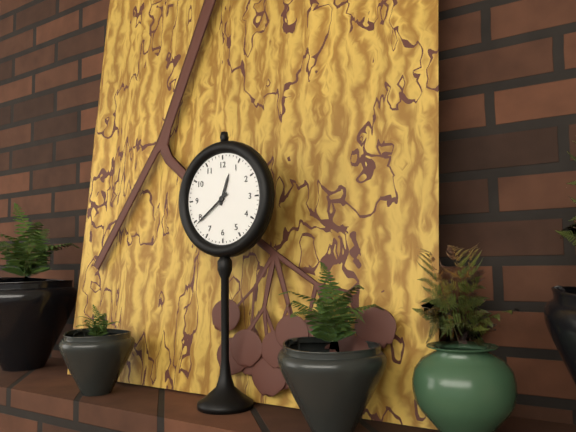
12:39
